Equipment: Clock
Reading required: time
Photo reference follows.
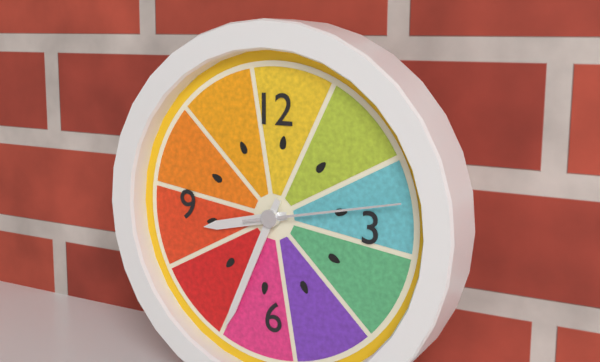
8:34:13
